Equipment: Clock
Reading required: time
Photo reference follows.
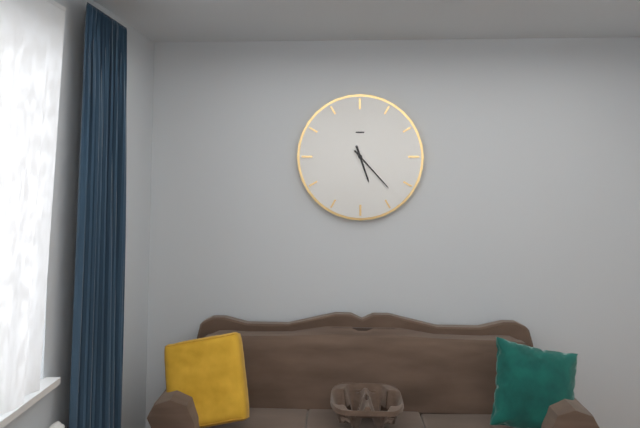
5:23
